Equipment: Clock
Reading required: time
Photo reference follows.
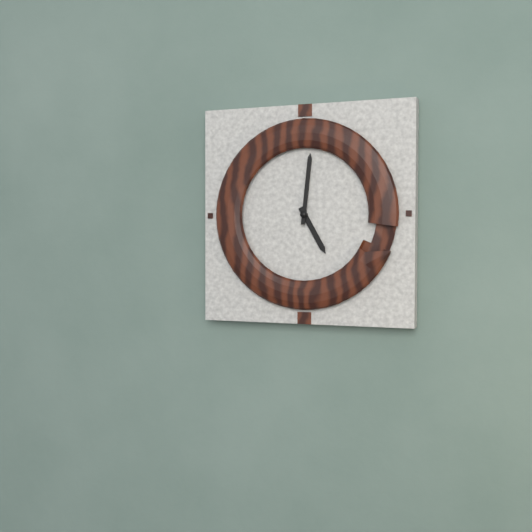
5:01
